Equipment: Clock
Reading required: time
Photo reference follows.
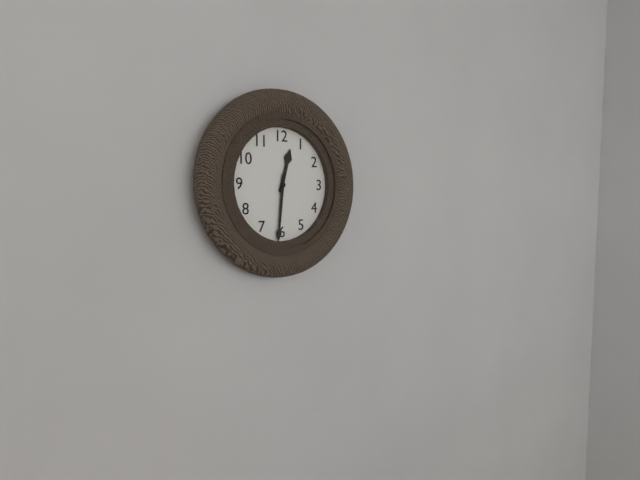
12:31
